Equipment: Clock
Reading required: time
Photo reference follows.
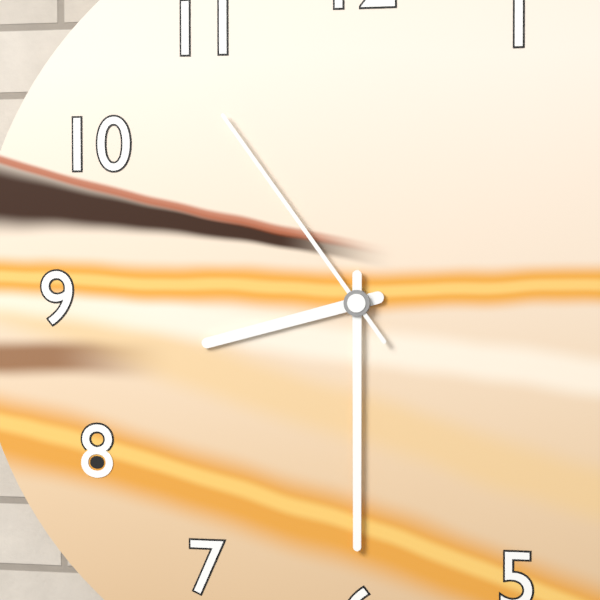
8:30:54
